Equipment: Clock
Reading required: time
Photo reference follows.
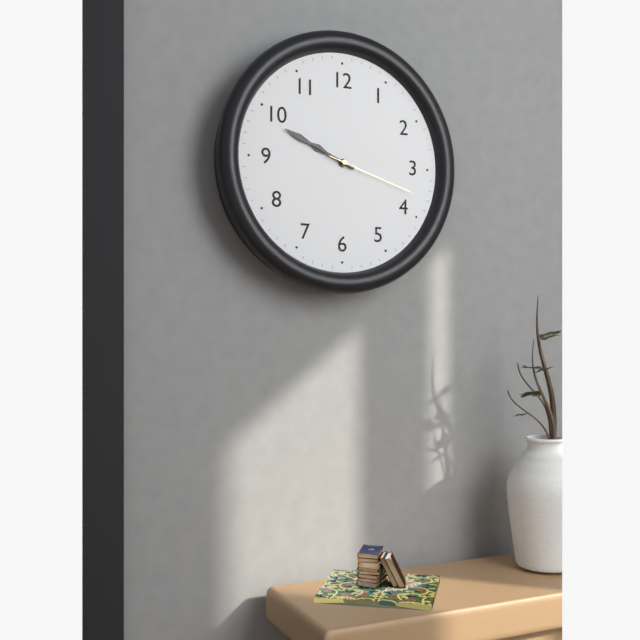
9:49:18
